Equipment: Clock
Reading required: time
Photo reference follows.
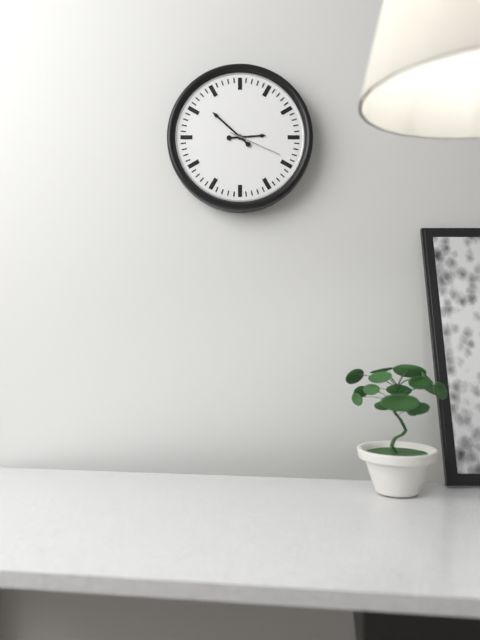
2:52:19
